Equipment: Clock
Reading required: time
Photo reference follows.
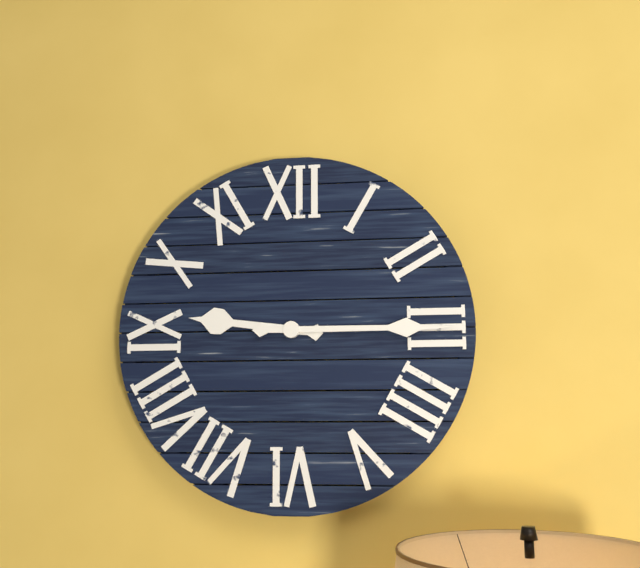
9:15
